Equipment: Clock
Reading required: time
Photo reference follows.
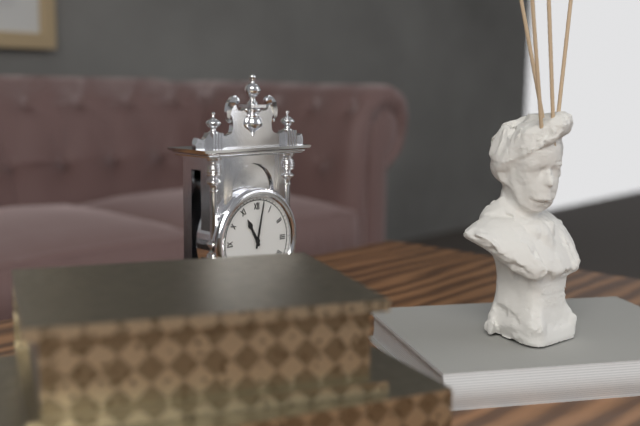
11:02
